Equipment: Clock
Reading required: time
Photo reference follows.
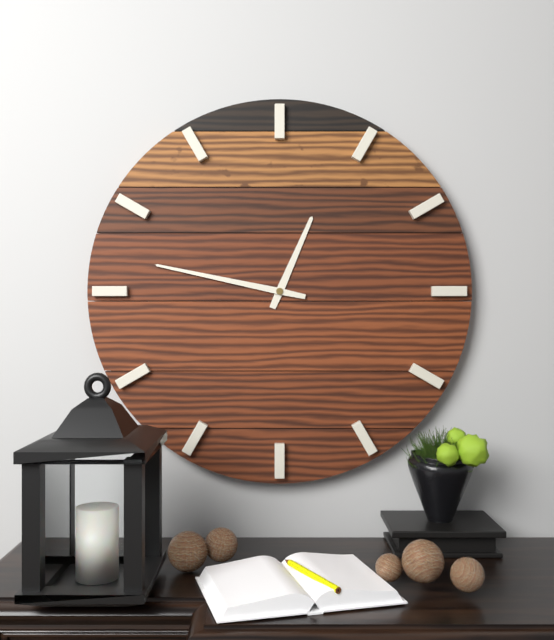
12:47
